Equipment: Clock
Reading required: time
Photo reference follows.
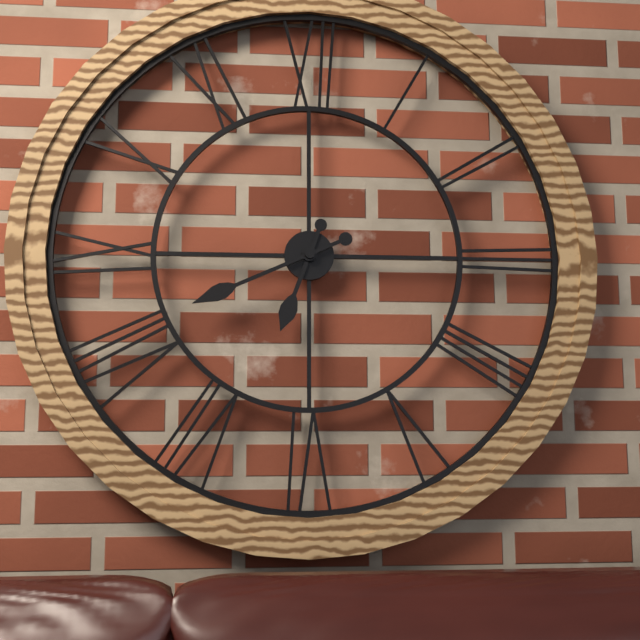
6:41
